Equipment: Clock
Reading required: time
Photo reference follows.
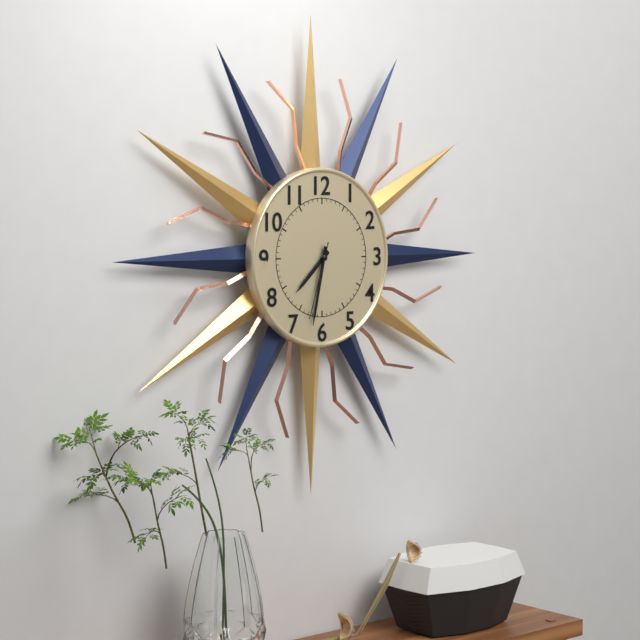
7:32:33
